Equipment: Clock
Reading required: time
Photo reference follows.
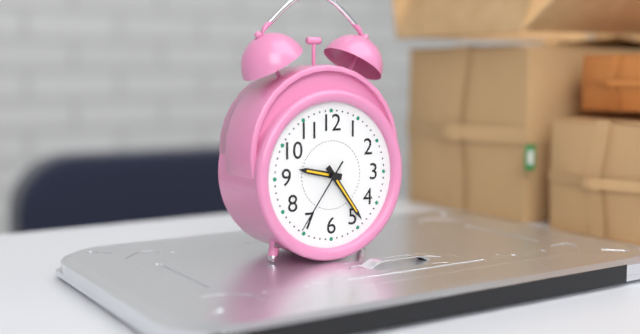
9:24:36
